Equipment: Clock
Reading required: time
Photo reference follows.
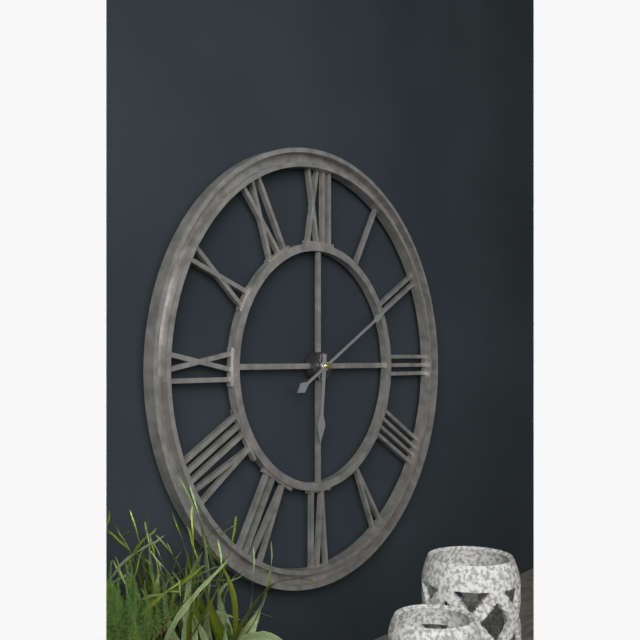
6:10
